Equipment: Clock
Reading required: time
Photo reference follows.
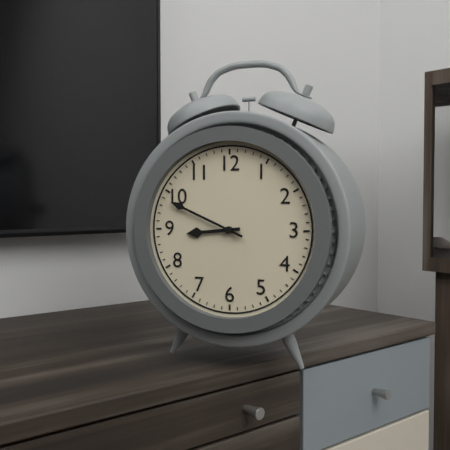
8:49
